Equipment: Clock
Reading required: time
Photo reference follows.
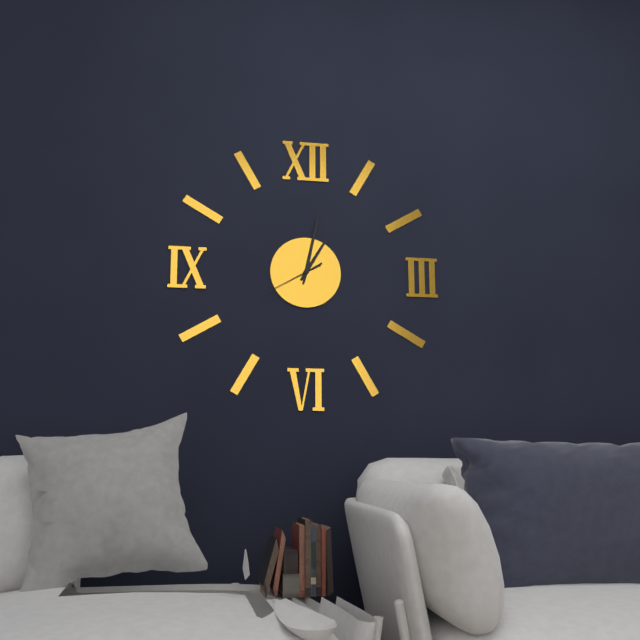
1:02:40
